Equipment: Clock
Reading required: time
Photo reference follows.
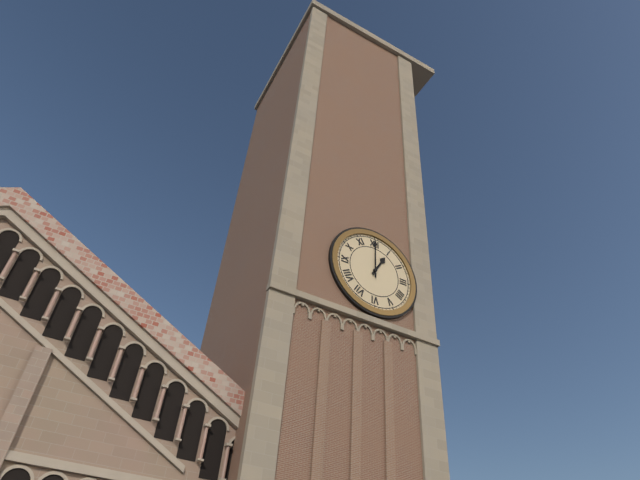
1:00
